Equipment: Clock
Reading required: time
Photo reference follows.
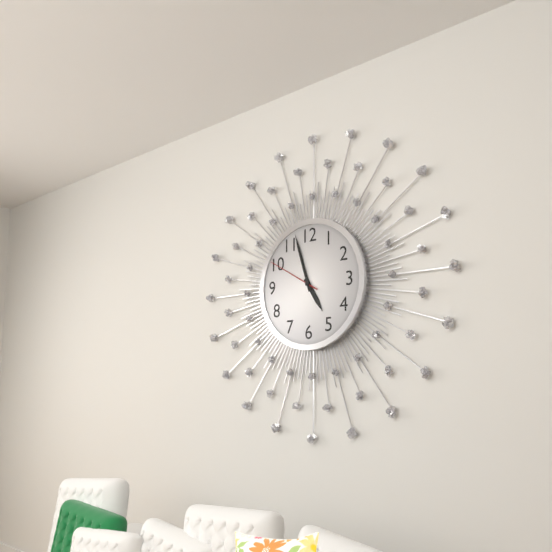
4:57:50
